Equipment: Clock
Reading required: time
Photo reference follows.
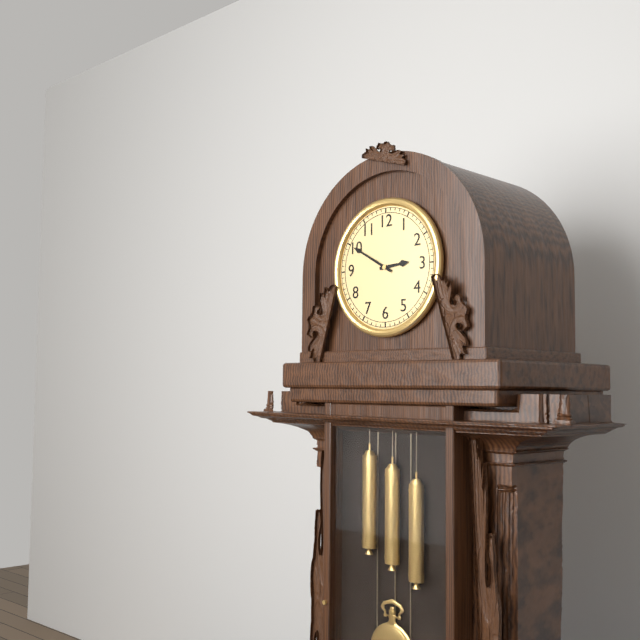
2:50
